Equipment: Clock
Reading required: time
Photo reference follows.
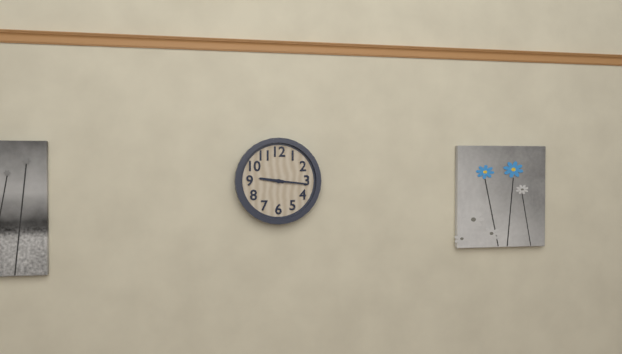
9:16
